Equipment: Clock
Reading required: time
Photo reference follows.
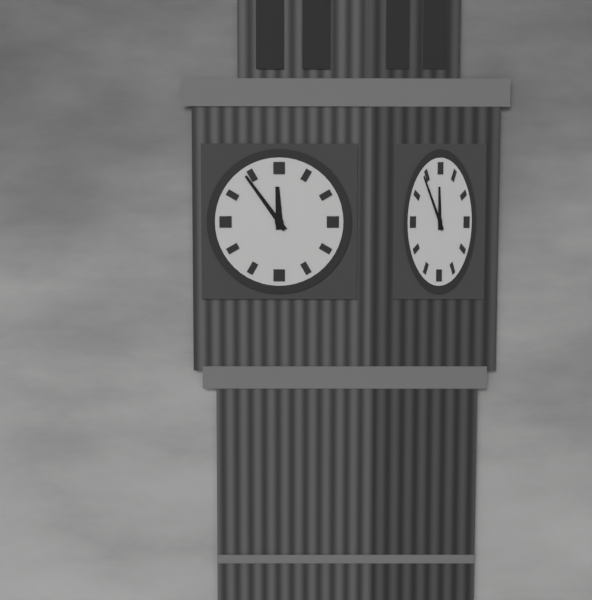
11:54
